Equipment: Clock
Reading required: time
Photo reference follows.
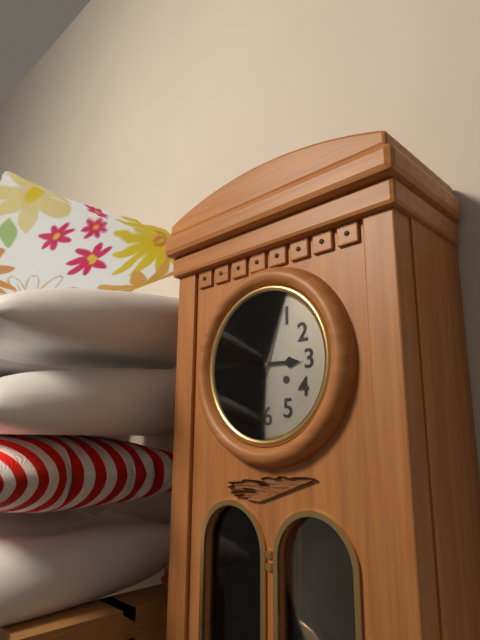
3:03
